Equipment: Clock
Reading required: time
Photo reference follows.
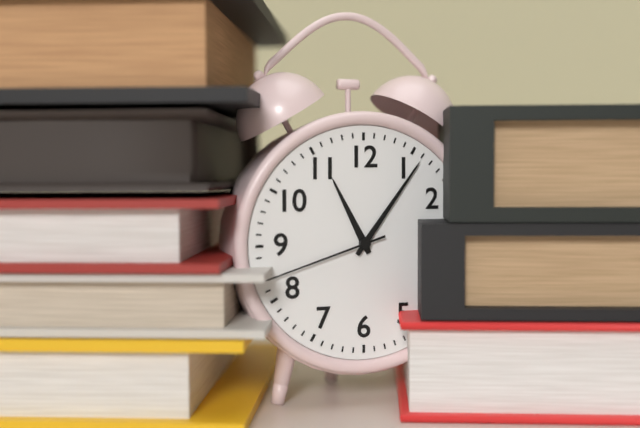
11:06:42
